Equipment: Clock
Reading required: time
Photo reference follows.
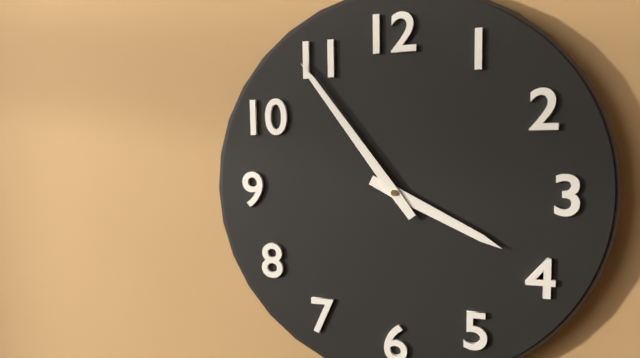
3:54
